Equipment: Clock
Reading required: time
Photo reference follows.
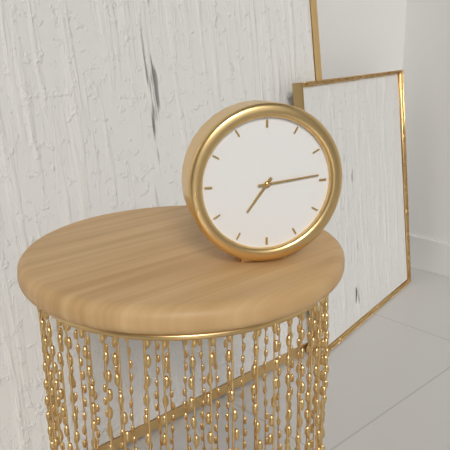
7:14
